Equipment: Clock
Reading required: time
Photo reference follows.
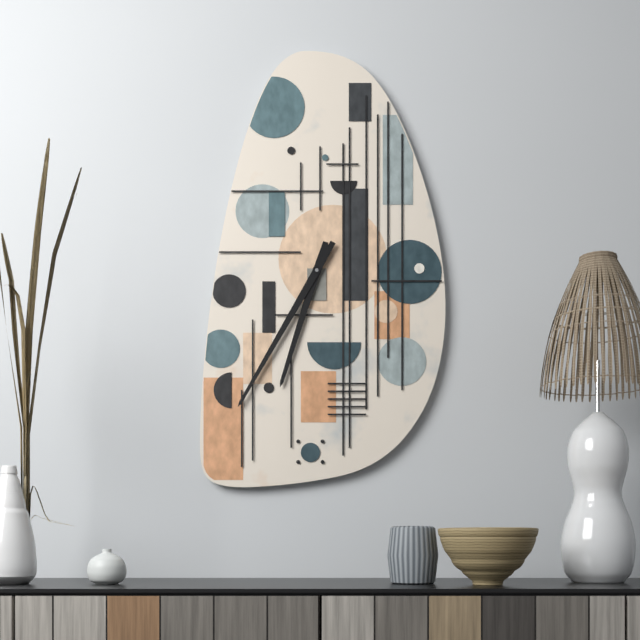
6:35
